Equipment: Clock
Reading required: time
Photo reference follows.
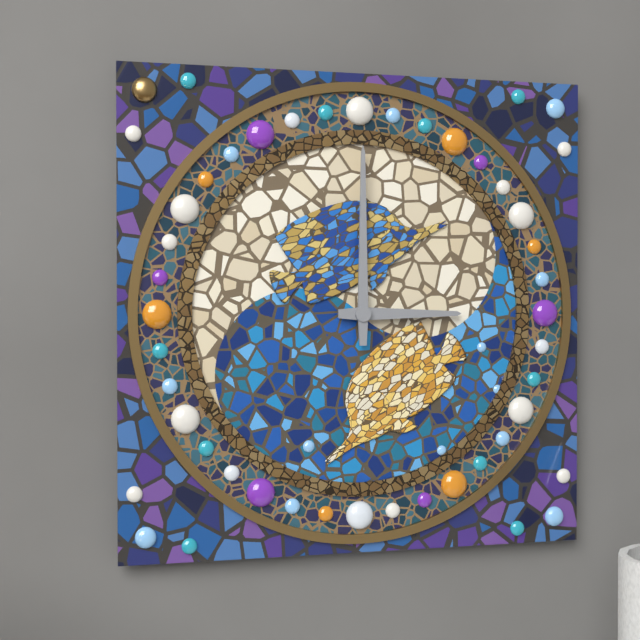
3:00
